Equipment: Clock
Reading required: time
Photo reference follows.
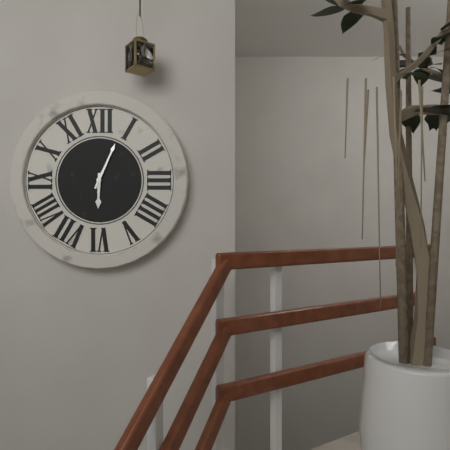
6:04
